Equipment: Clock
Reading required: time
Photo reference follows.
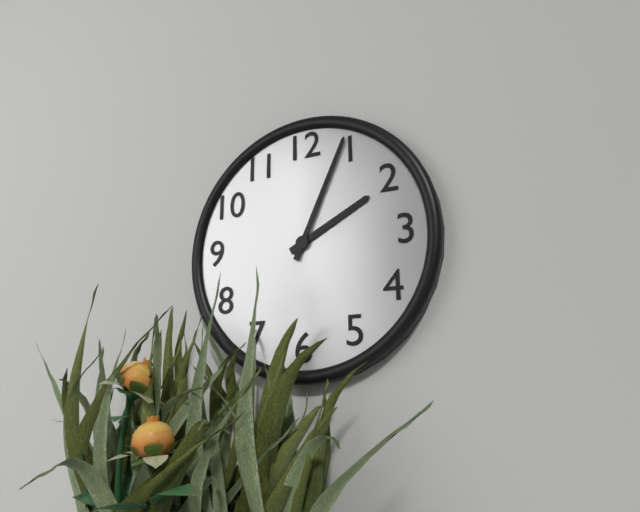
2:04
